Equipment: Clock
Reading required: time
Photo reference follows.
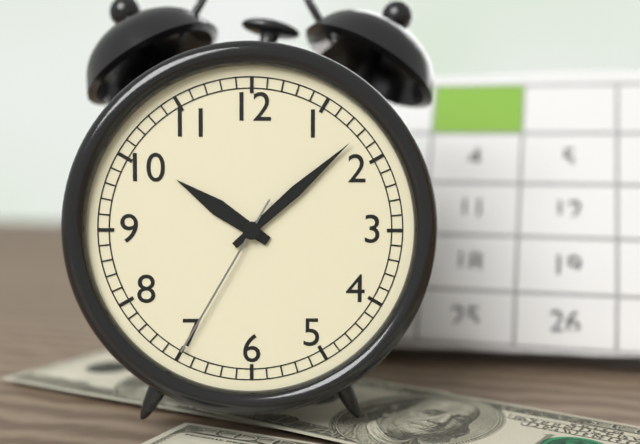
10:08:35
